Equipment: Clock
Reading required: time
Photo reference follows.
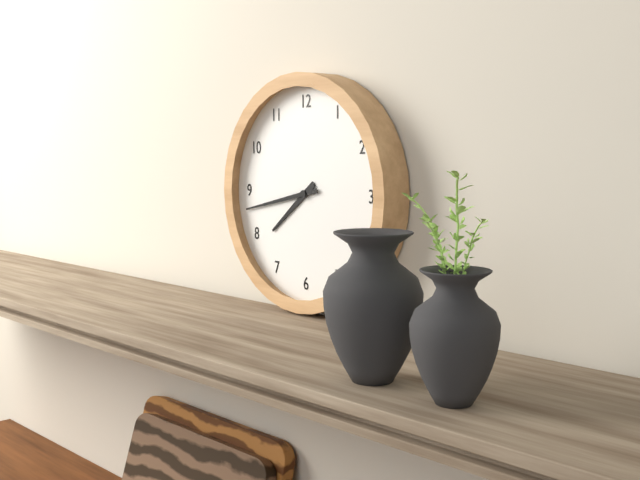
7:43
